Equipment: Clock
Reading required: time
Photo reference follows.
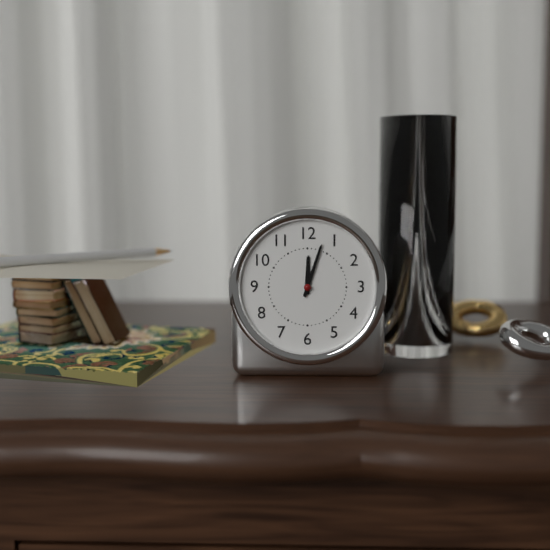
12:03
